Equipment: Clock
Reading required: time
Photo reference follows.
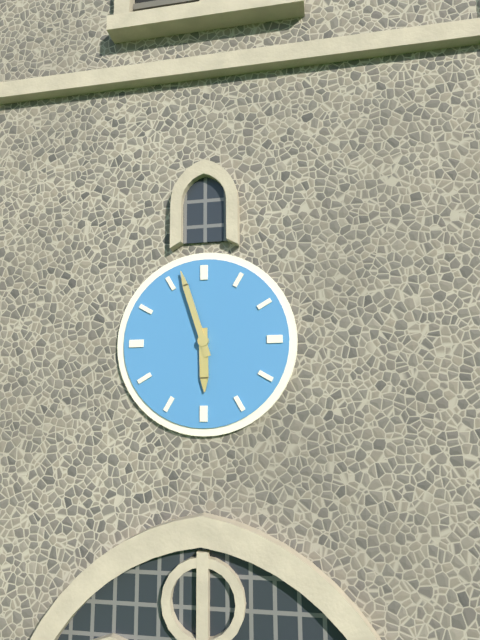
5:57
